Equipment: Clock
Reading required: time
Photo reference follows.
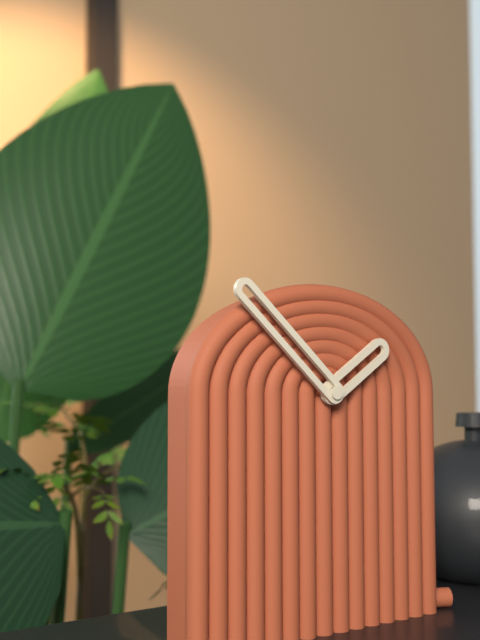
1:52
